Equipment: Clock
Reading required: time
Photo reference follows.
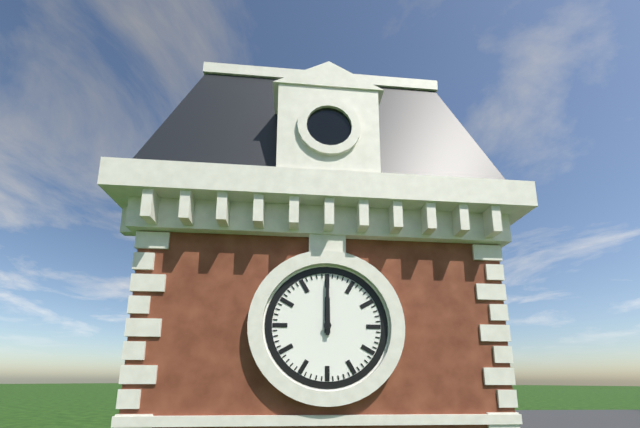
12:00
